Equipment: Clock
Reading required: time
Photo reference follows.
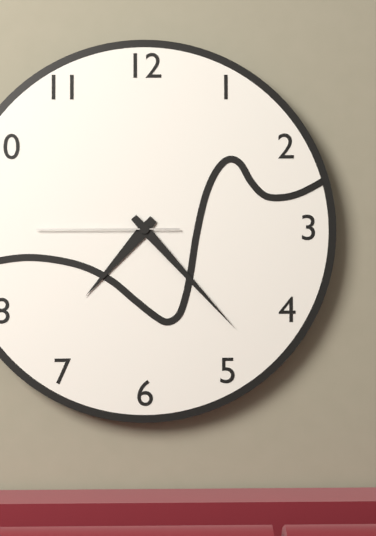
7:23:45
